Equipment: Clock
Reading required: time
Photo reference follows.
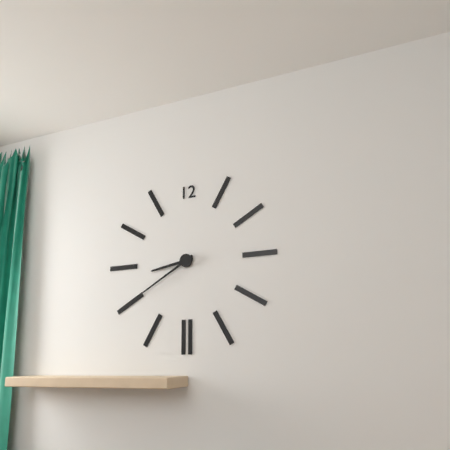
8:40
